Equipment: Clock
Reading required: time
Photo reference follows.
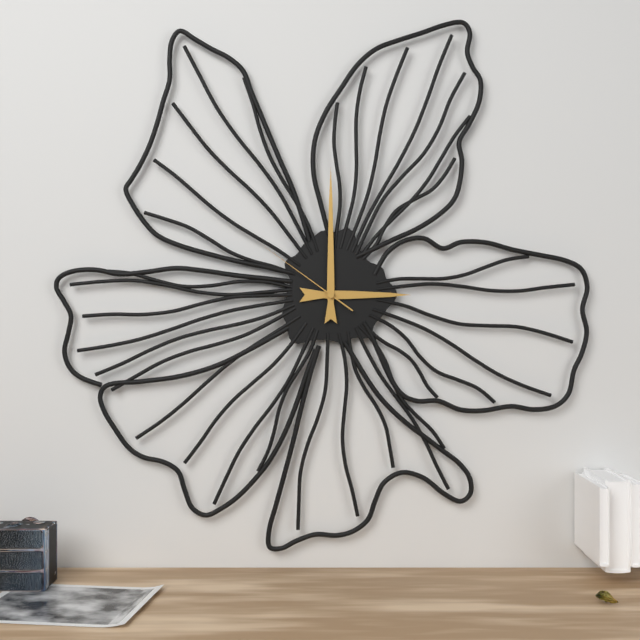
3:00:51
